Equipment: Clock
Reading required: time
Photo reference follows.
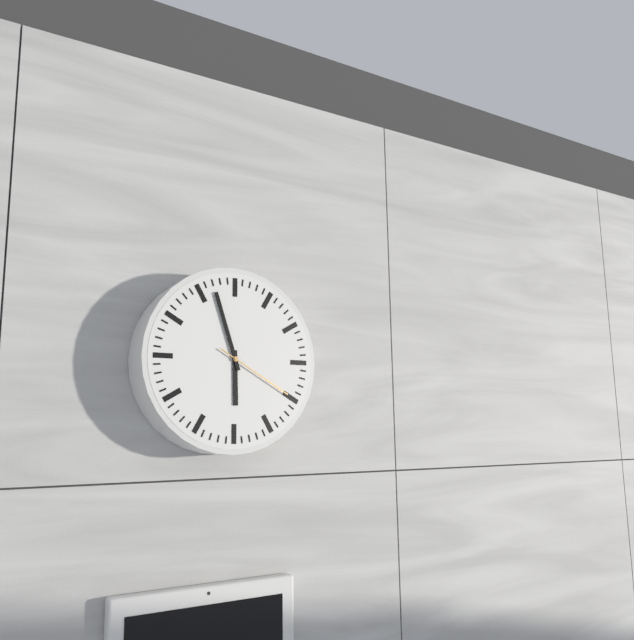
5:57:20
